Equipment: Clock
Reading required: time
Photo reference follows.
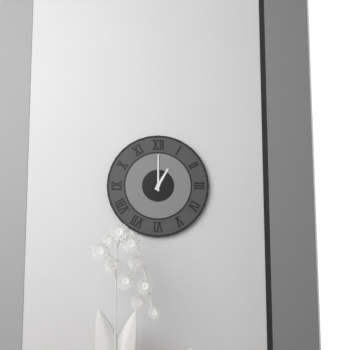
1:00
